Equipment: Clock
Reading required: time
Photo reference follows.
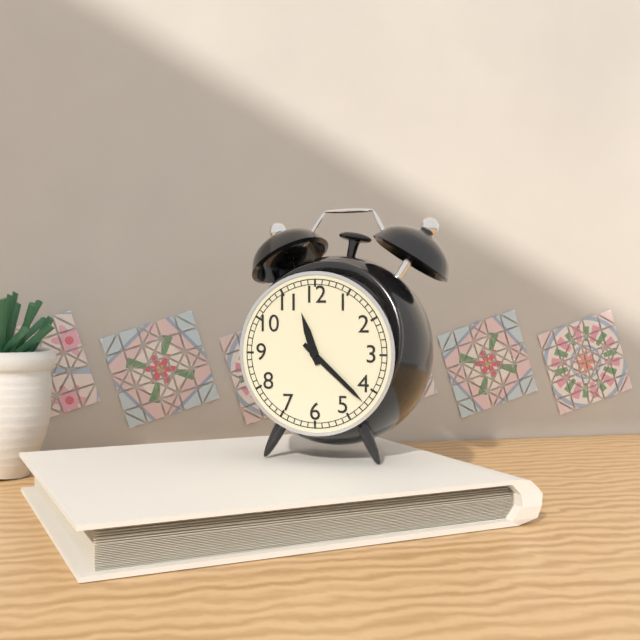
11:22
